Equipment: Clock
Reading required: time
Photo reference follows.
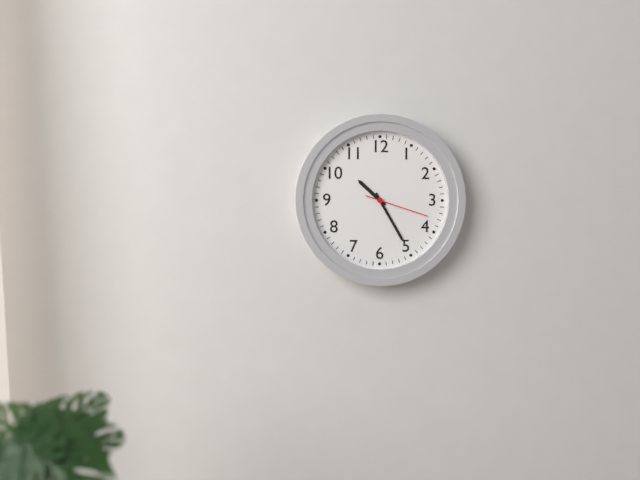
10:25:18
